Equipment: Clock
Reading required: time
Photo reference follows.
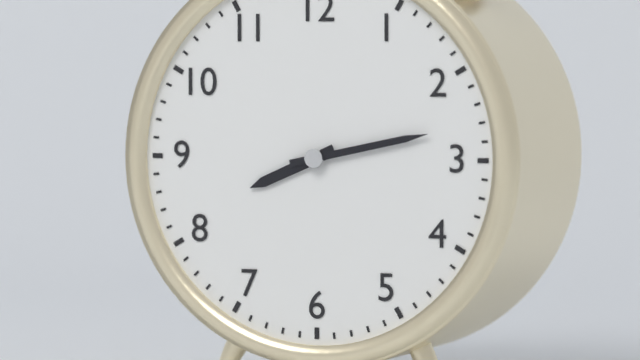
8:13
